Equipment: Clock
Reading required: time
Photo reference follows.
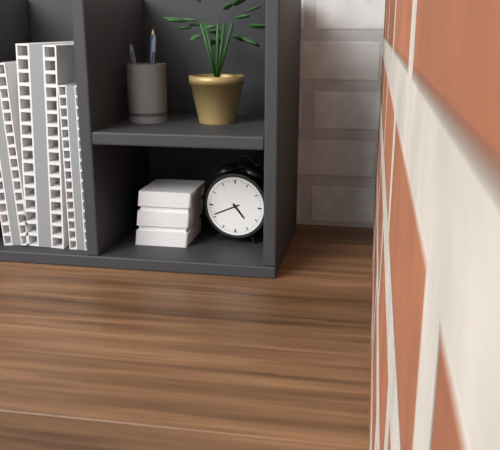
4:41
